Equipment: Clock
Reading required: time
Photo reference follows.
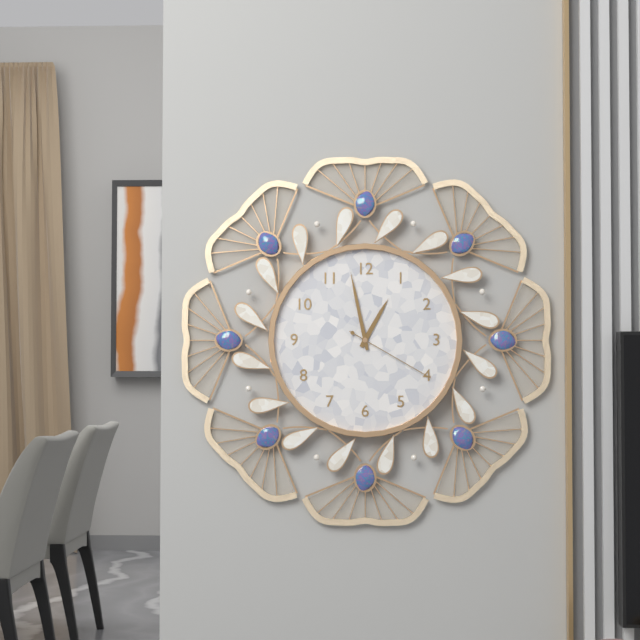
12:58:20
